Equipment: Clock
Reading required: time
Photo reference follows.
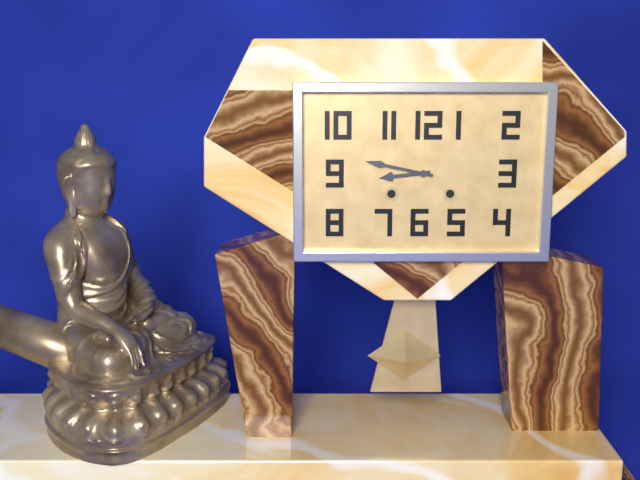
8:47
